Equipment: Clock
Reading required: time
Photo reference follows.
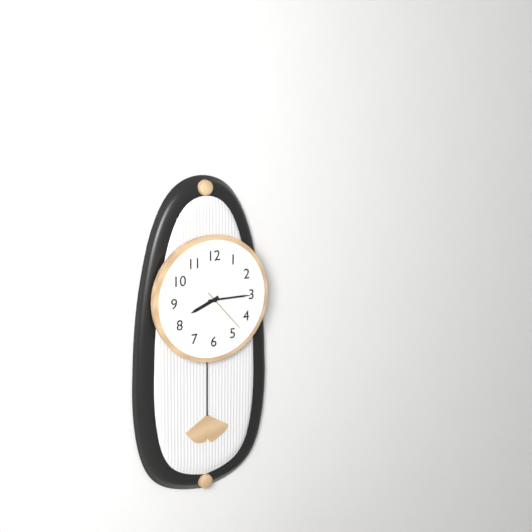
8:15
